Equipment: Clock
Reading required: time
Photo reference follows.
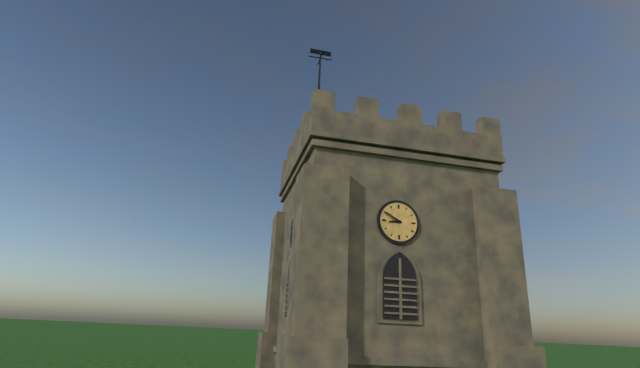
8:50
